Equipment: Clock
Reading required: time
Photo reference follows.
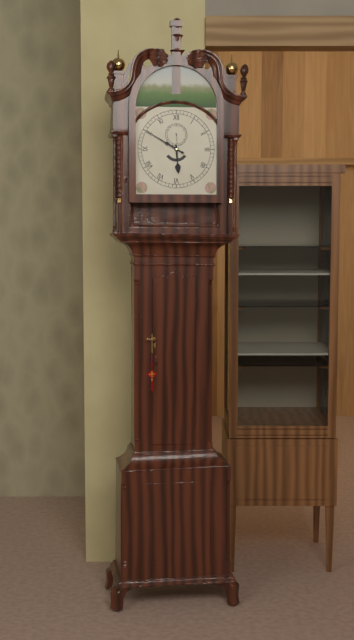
5:50
